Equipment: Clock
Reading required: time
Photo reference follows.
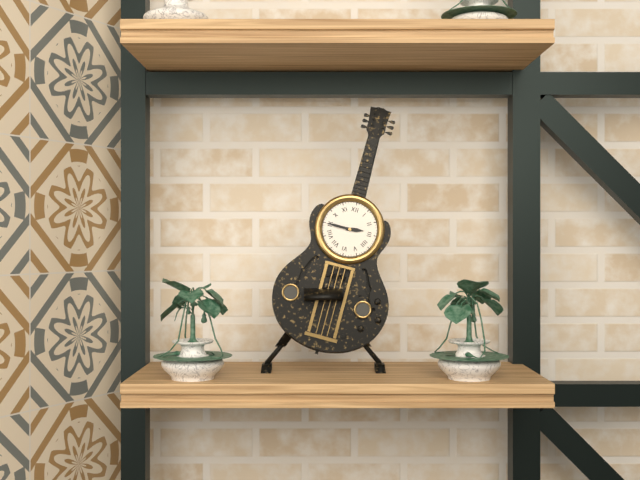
2:45
